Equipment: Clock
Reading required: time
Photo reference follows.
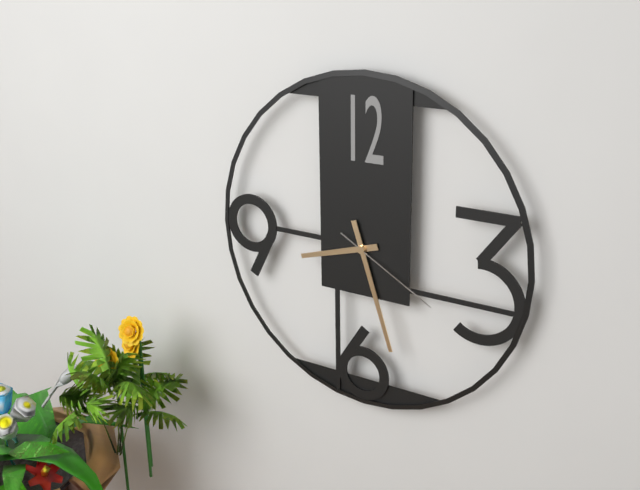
8:27:20
